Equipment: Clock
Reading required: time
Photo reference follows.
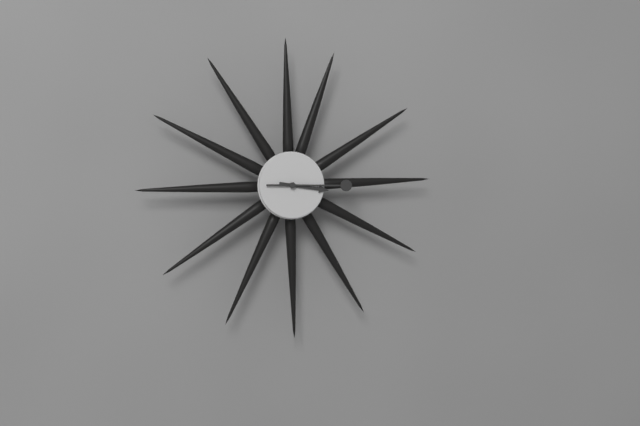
3:15
